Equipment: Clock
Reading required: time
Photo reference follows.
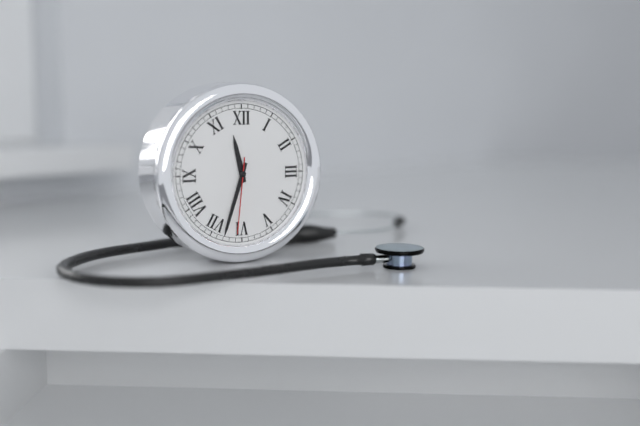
11:33:31
